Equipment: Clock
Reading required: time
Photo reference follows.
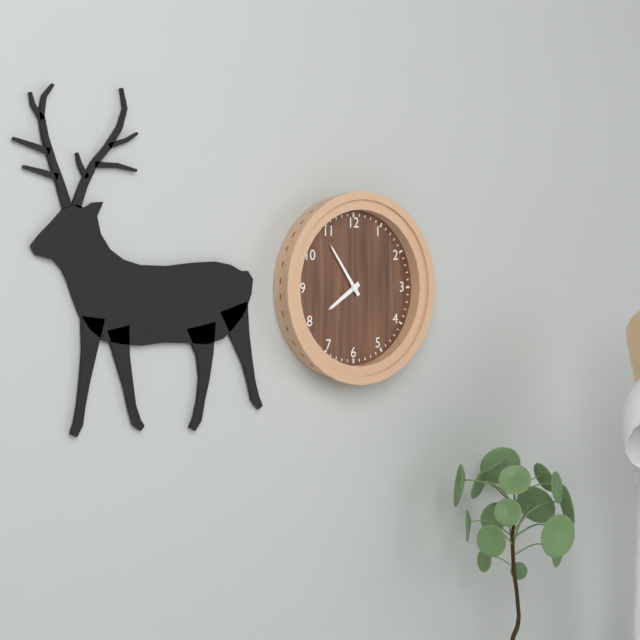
7:54
